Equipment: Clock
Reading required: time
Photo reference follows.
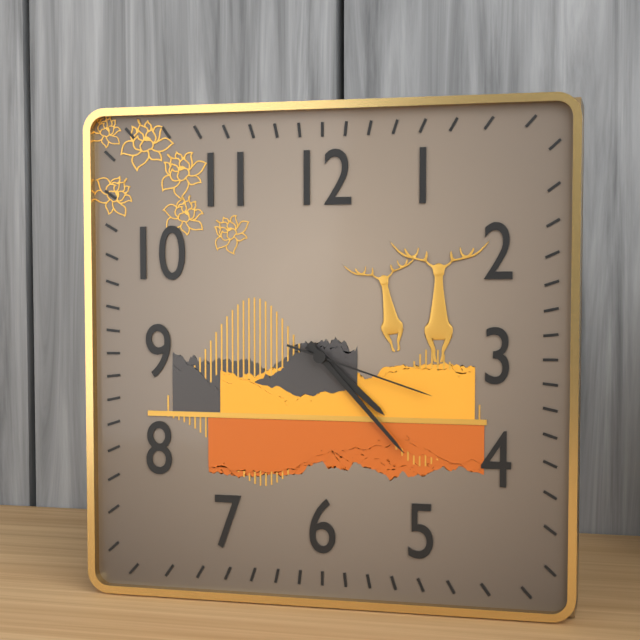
4:23:18
